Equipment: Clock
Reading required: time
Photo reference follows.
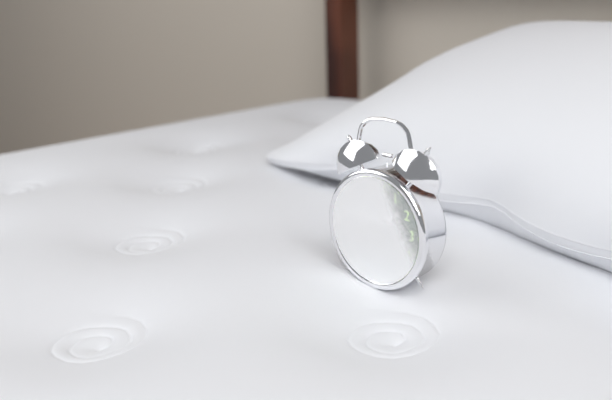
1:34:53
